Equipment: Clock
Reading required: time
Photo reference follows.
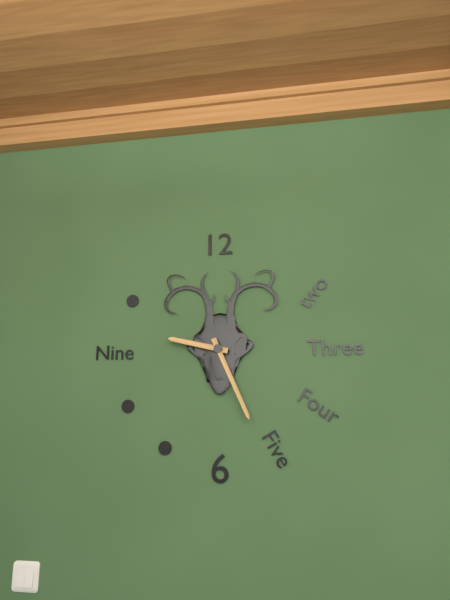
9:26
